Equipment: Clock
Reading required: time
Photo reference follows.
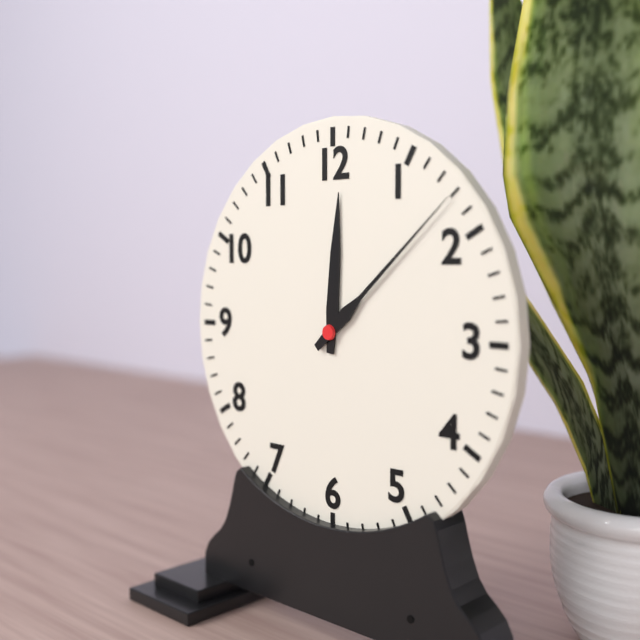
12:08
